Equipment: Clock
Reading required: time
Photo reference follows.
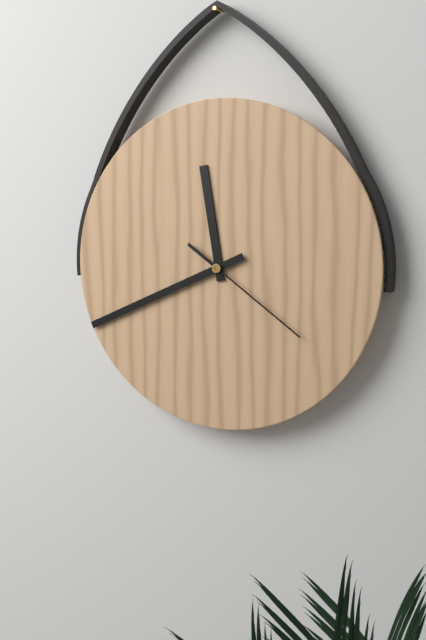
11:41:21
